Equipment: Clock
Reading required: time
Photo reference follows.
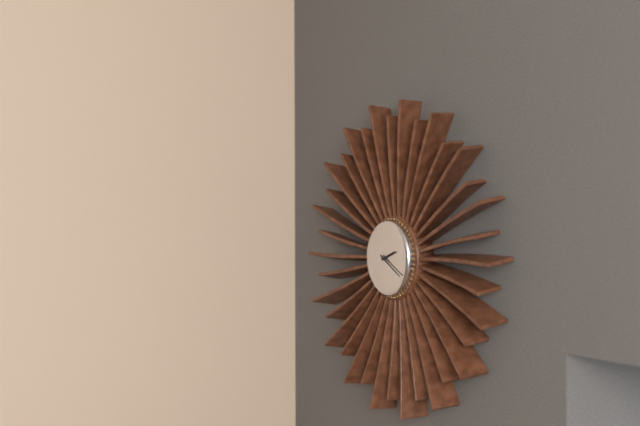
2:20
